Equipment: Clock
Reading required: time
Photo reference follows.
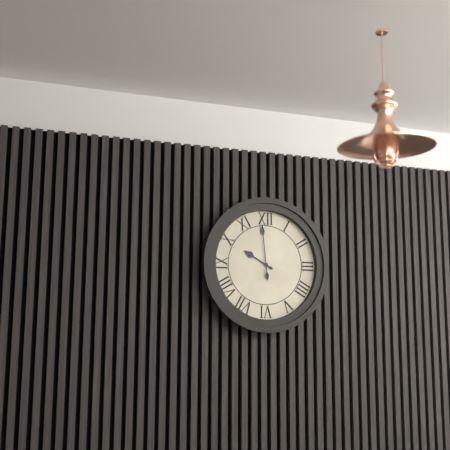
9:59
